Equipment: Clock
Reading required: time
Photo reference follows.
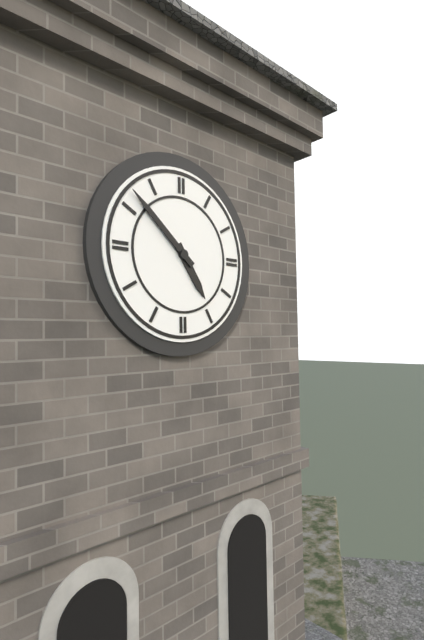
4:52
